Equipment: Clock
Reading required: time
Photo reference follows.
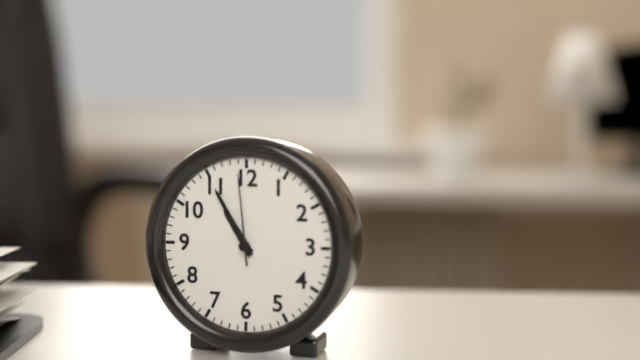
10:55:59
